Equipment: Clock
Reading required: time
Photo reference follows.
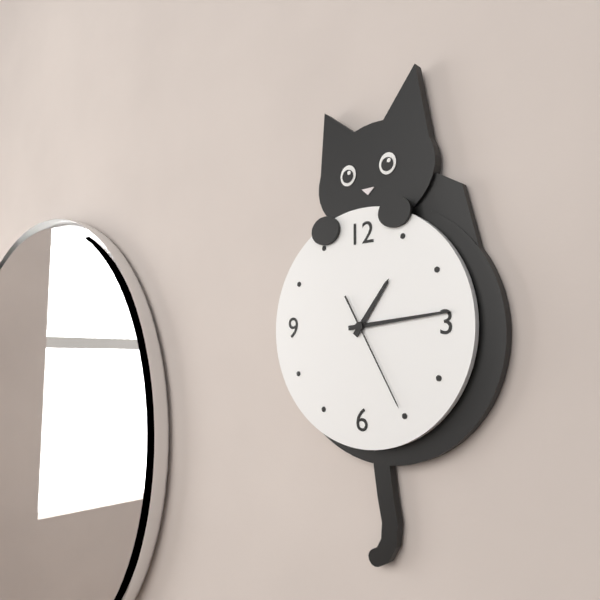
1:14:25
